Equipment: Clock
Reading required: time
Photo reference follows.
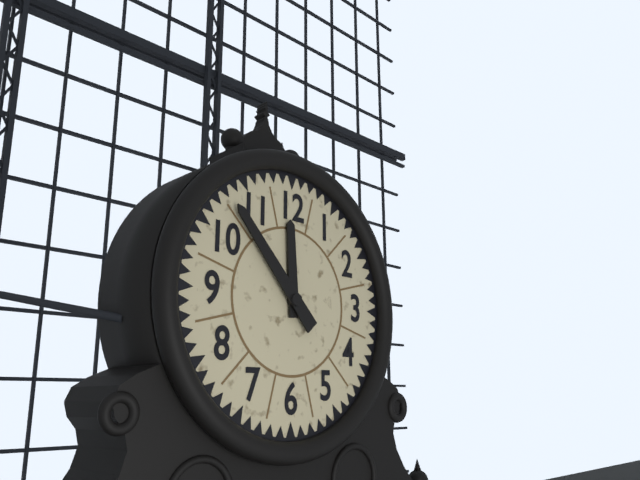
11:53
